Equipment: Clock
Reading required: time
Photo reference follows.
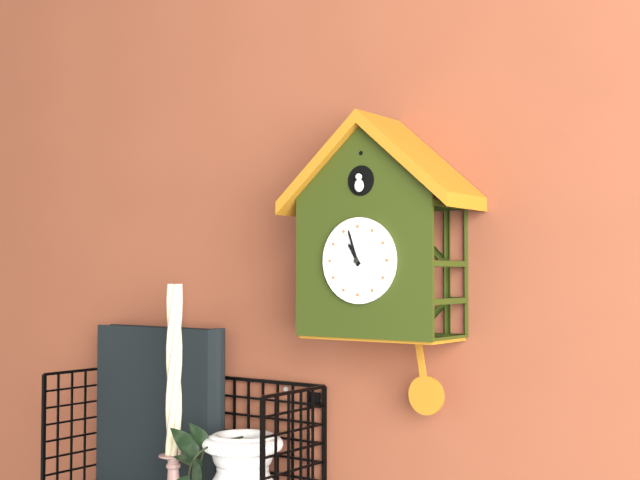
10:57
